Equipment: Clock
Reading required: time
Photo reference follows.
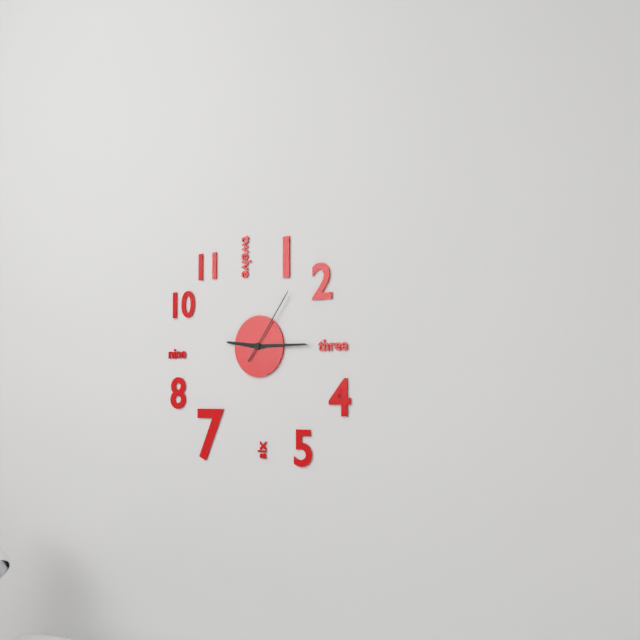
9:15:06
